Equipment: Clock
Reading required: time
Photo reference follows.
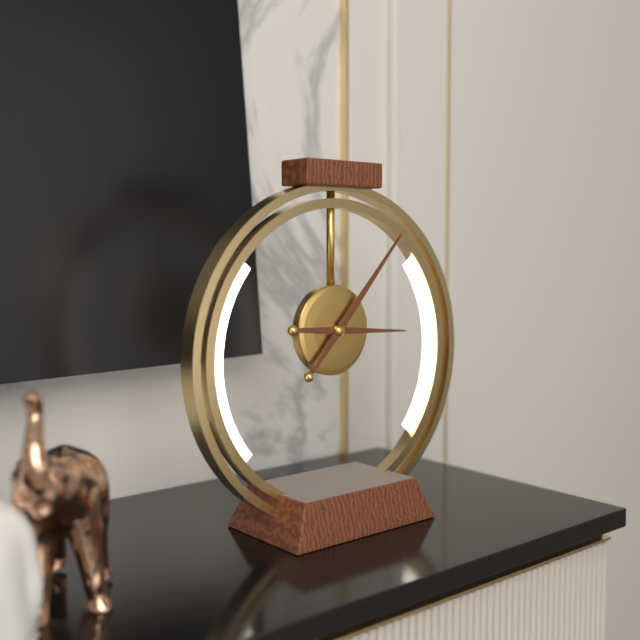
3:07
